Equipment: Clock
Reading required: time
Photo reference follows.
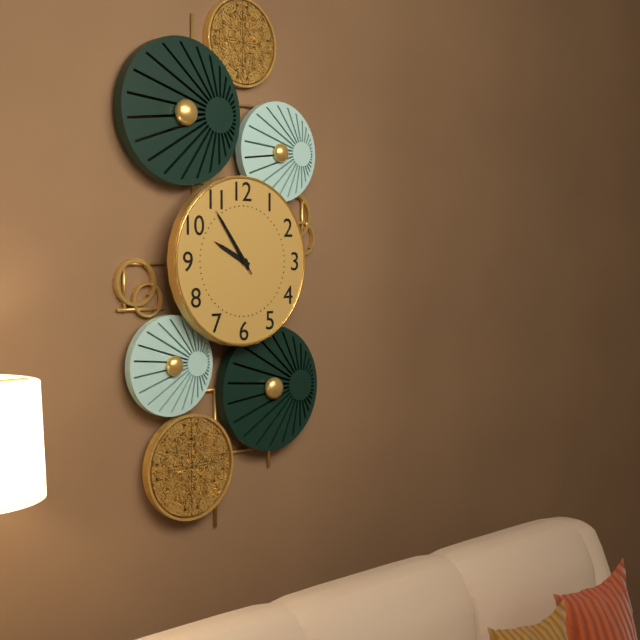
9:54:54
